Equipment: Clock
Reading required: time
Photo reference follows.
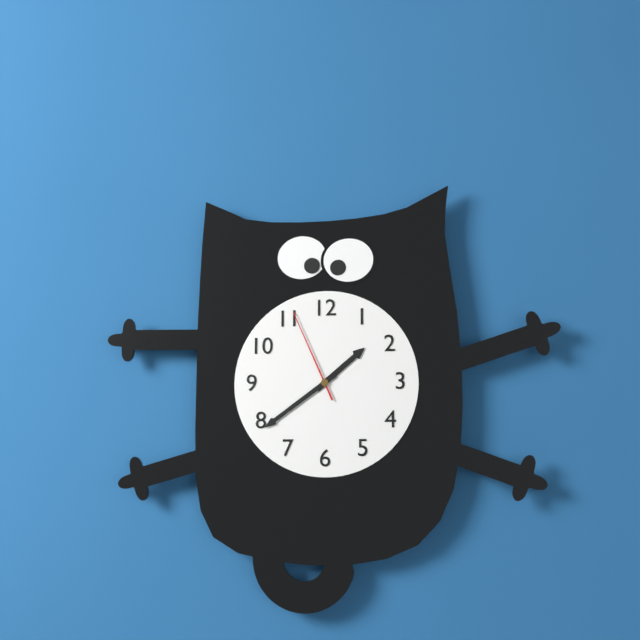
1:39:56
